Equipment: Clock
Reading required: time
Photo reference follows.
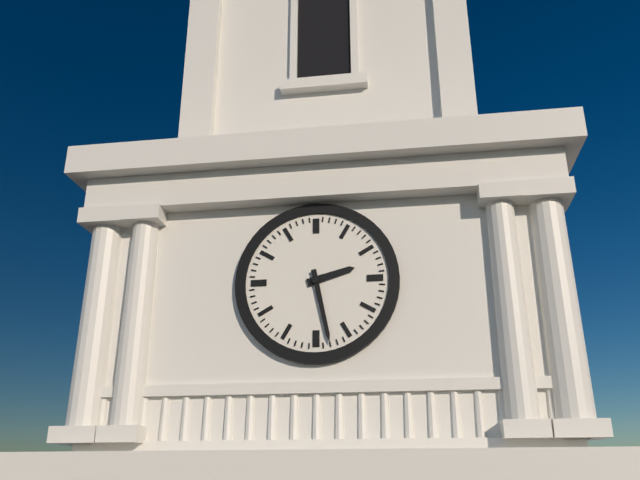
2:28
